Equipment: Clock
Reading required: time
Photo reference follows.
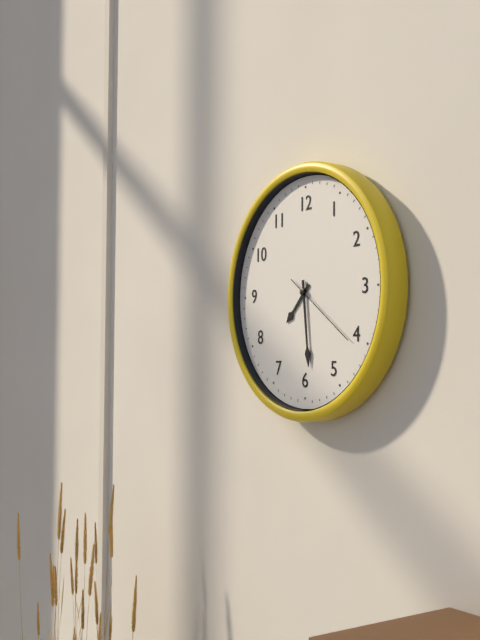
7:29:21
